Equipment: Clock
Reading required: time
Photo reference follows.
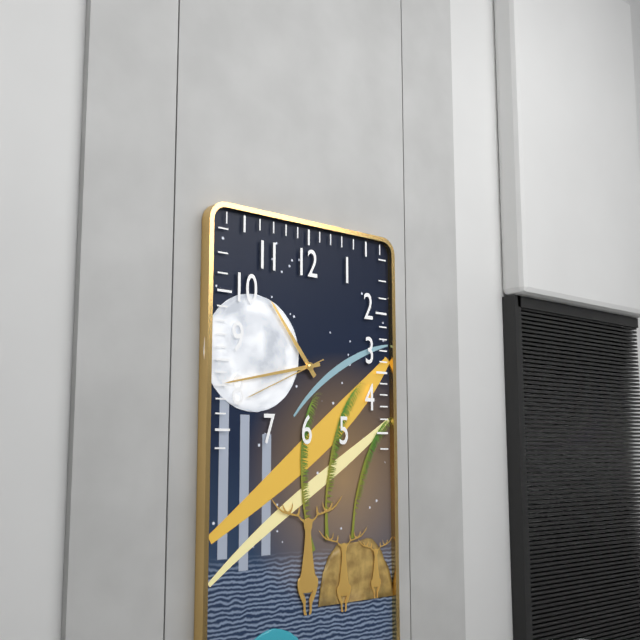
10:43:41
